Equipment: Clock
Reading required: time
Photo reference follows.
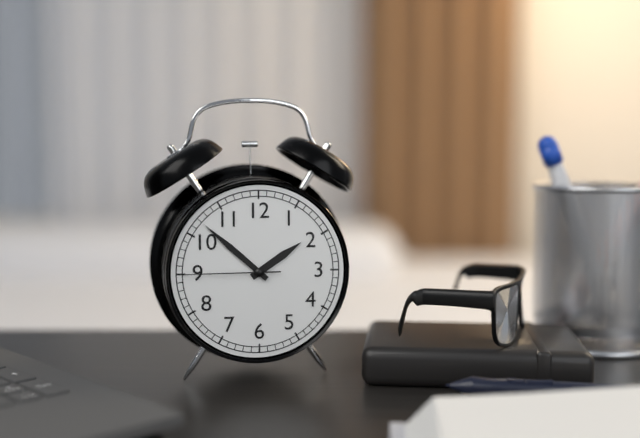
1:52:45
